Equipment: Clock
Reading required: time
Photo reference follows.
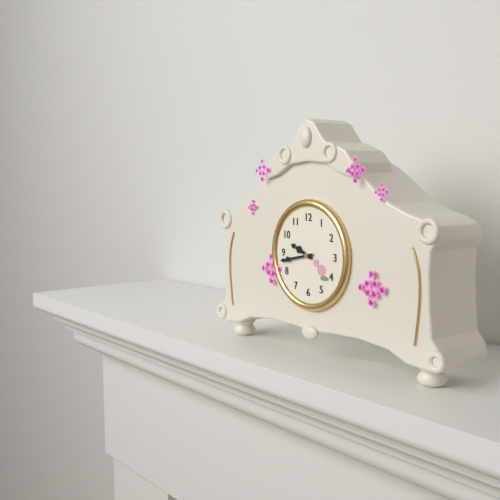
9:43
